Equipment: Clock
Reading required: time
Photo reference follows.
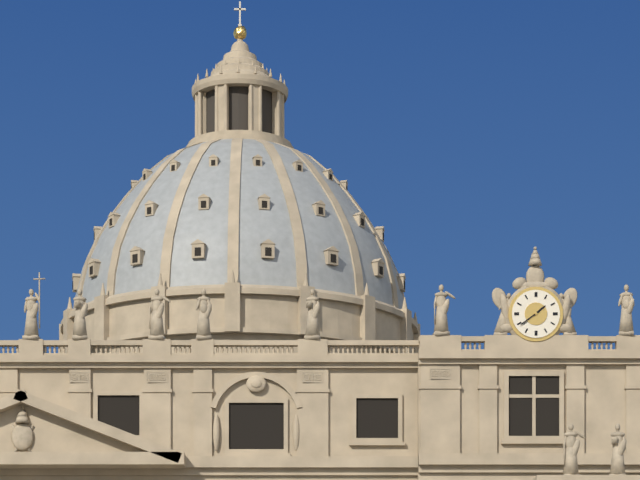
1:39
